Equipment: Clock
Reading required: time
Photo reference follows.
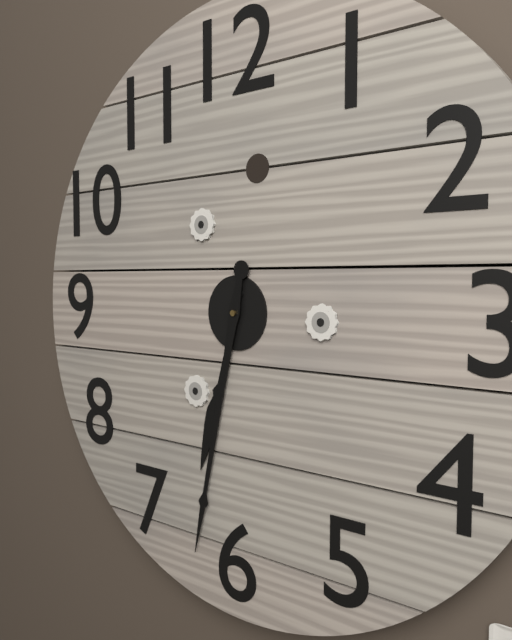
6:32
